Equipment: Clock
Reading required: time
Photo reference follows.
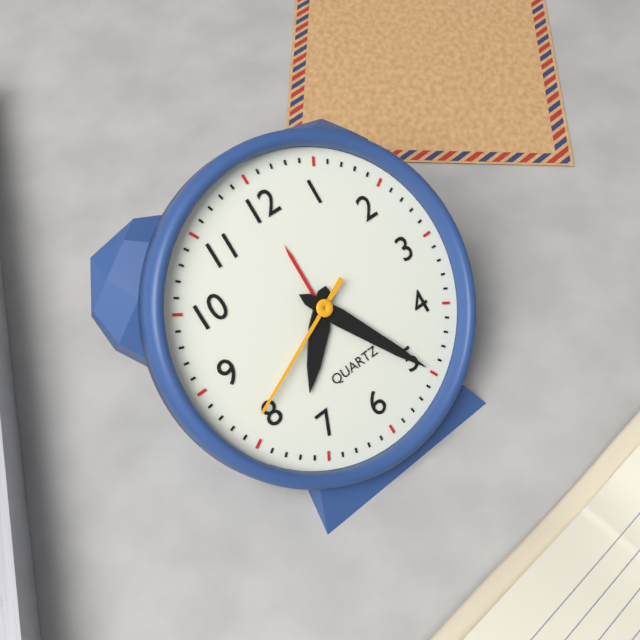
7:25:41
